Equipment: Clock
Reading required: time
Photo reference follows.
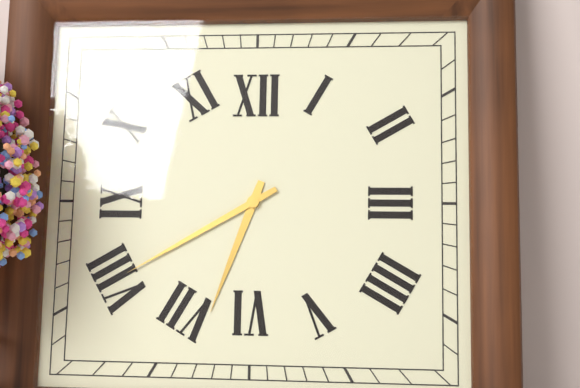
6:40
